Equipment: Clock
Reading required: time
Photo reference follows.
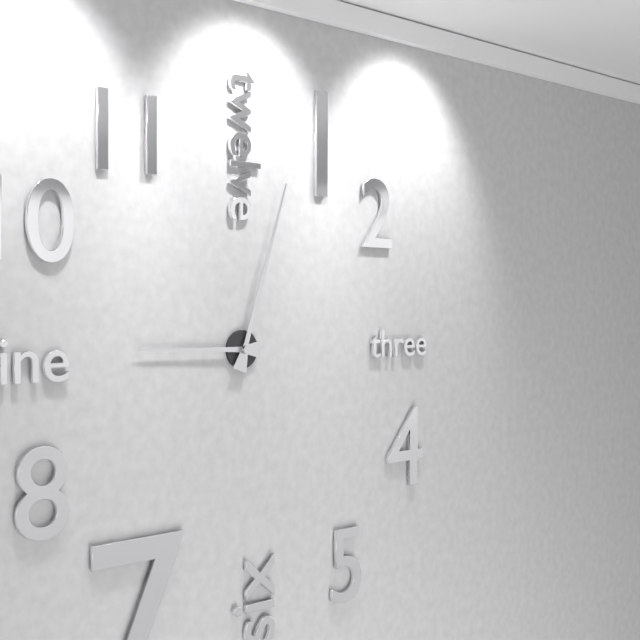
9:03
